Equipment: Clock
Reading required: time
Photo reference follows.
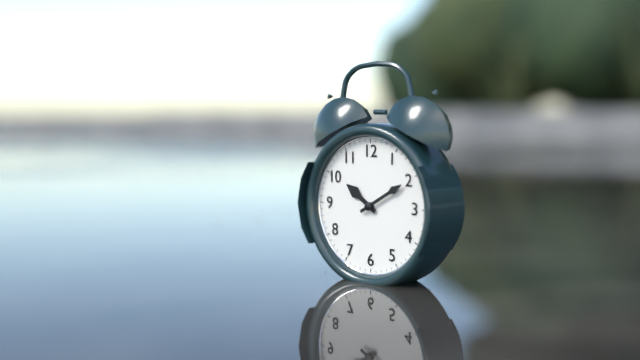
10:10
